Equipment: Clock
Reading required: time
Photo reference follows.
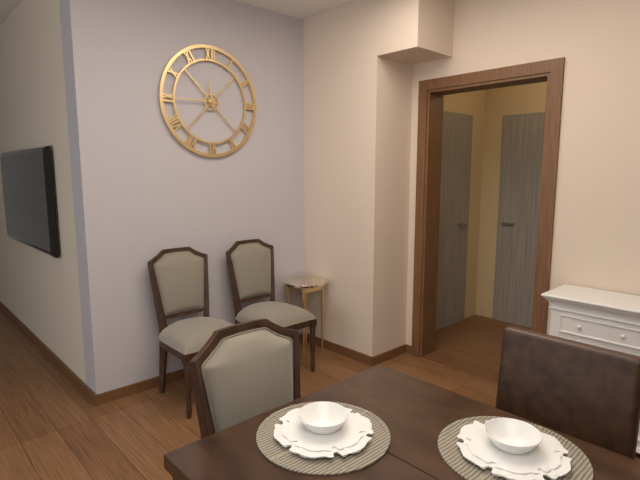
11:45
